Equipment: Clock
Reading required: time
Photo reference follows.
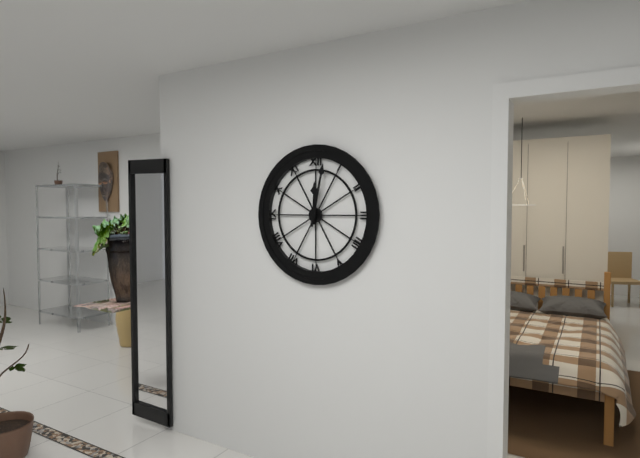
12:02
